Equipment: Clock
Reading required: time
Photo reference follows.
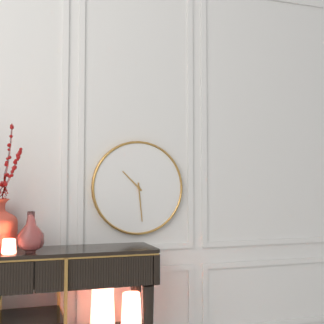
10:29
